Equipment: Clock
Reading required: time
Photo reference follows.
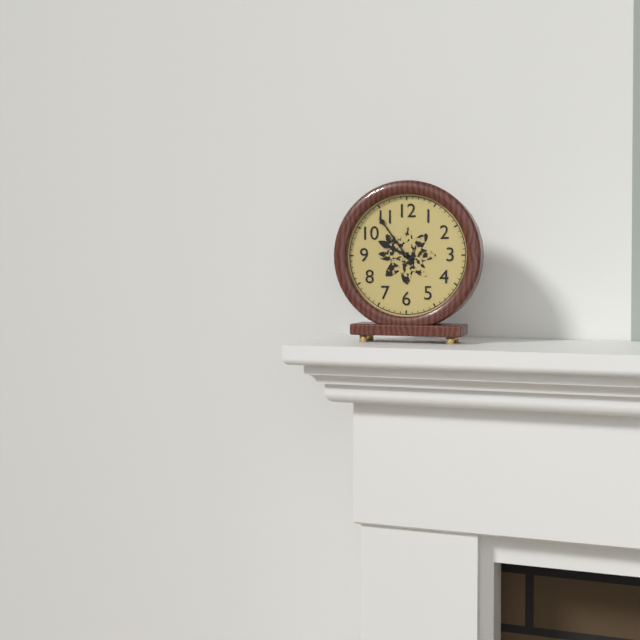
9:54
